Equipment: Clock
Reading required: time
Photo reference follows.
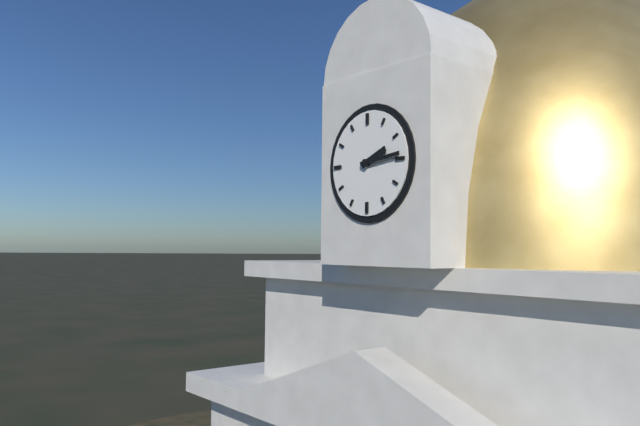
2:14
